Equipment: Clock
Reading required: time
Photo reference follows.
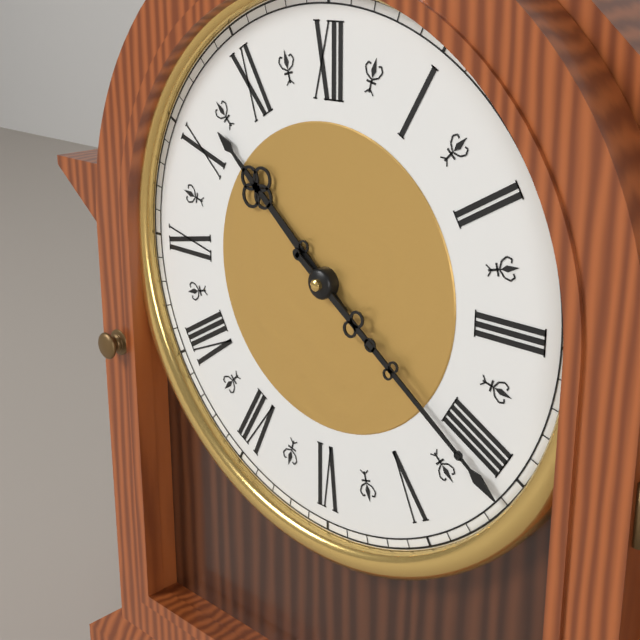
10:21
